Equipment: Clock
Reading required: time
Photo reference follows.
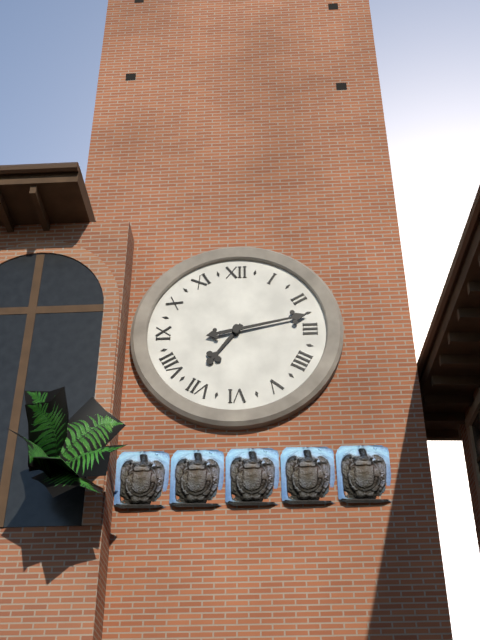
7:13
